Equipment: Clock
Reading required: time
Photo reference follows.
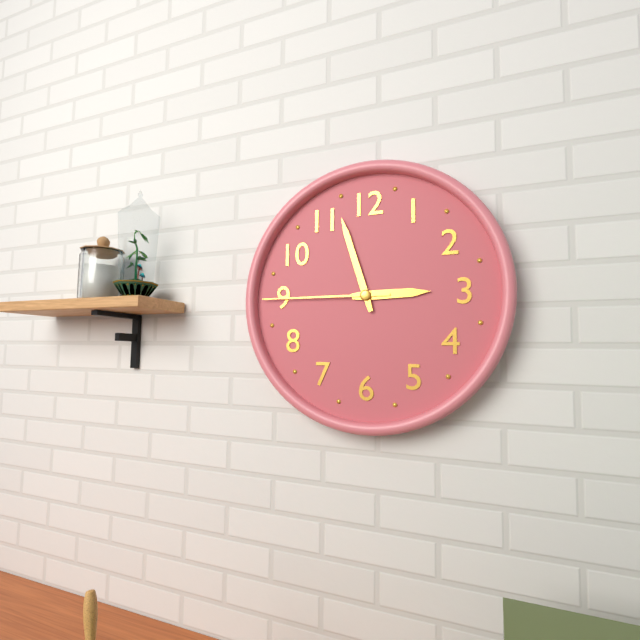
2:57:45
